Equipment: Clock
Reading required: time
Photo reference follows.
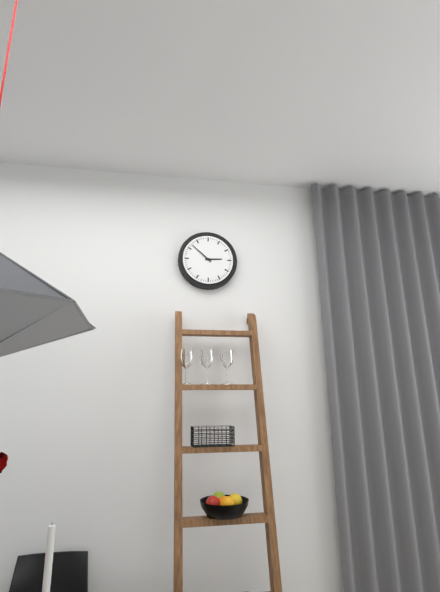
2:52
